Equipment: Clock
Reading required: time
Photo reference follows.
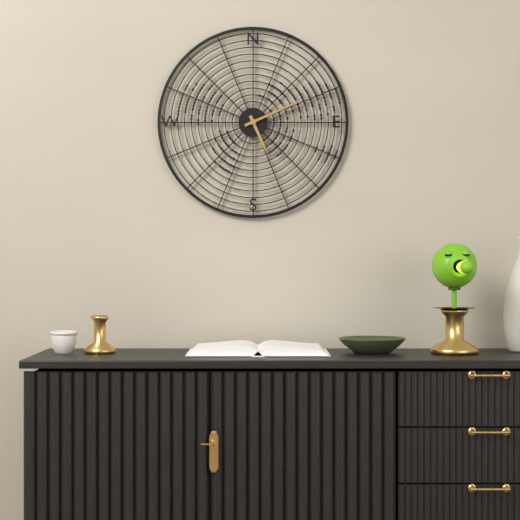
5:11
